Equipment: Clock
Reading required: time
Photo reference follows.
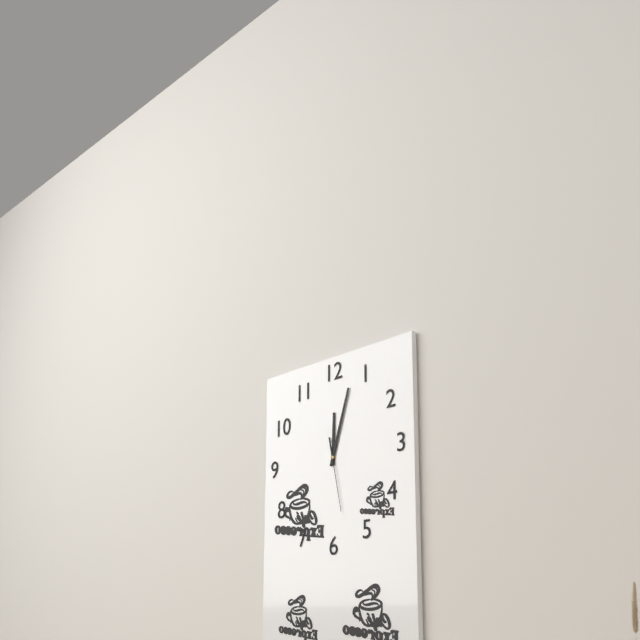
12:03:28
